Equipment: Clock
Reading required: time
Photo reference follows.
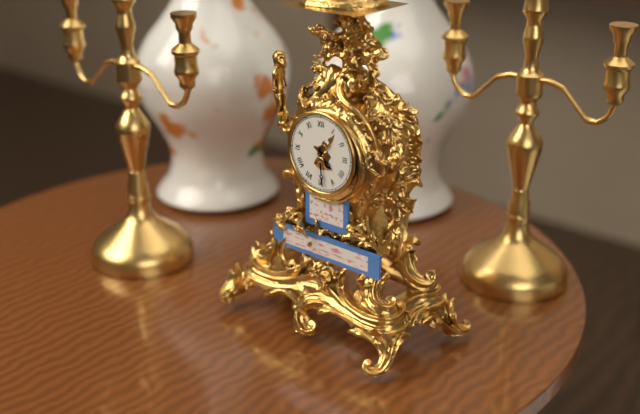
4:29
